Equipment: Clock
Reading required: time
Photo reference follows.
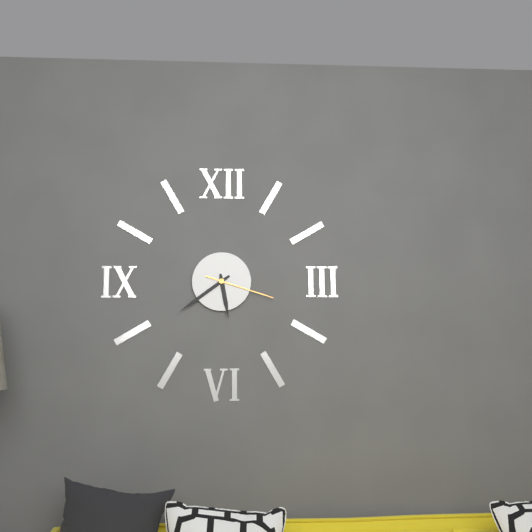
5:39:18
